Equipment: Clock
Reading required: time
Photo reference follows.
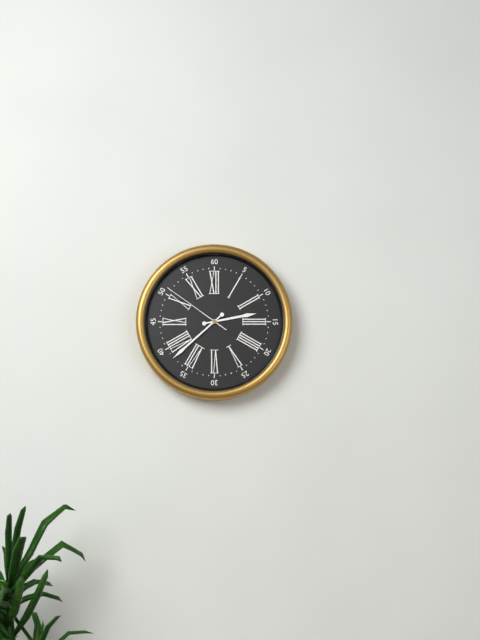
2:38:51
